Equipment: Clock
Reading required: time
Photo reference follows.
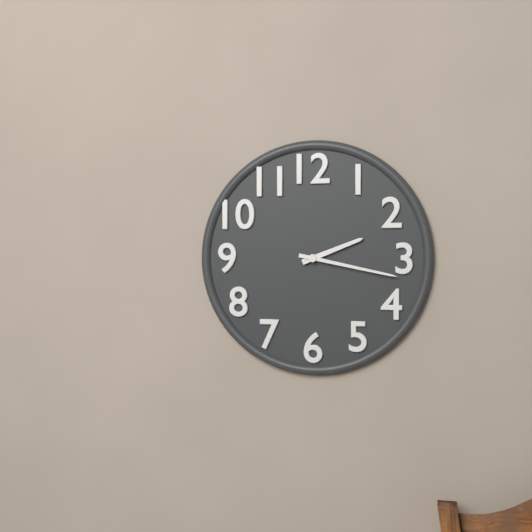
2:17
